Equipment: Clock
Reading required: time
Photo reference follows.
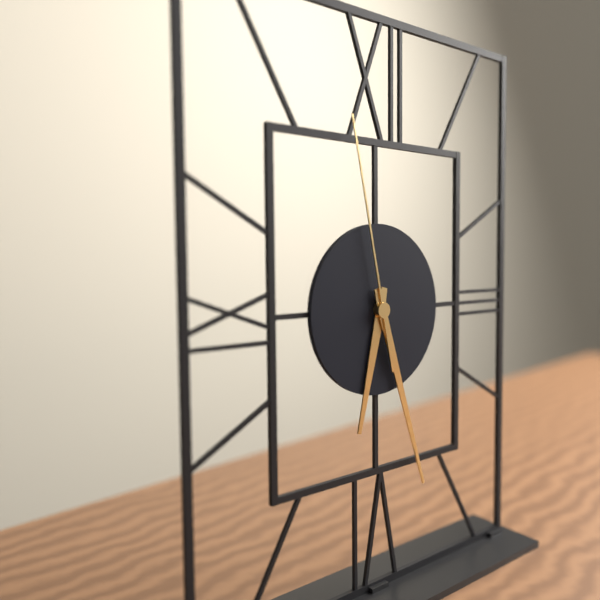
6:27:58
